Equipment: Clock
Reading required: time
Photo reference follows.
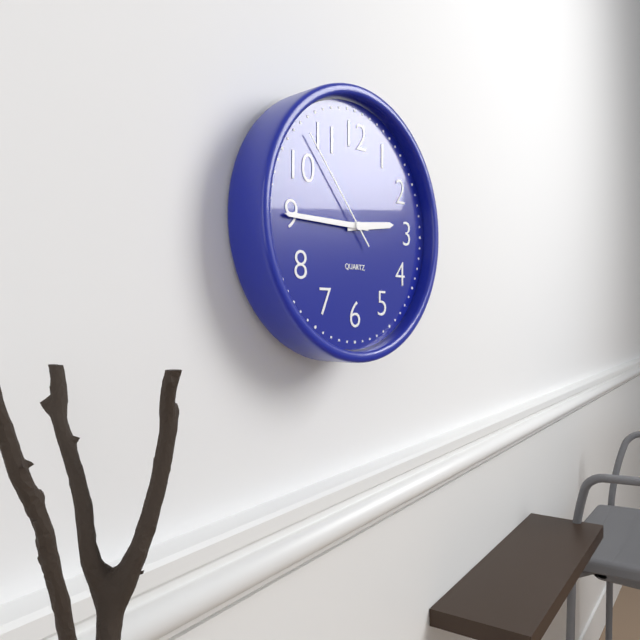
2:45:53
